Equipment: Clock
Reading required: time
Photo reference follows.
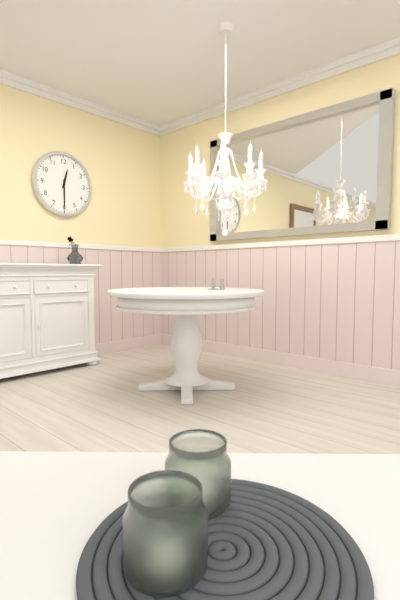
12:30
